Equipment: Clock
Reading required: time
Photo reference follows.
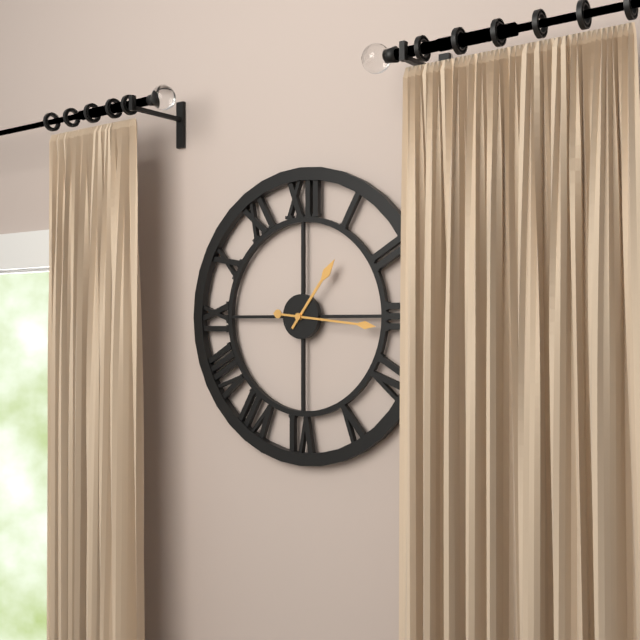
1:16
